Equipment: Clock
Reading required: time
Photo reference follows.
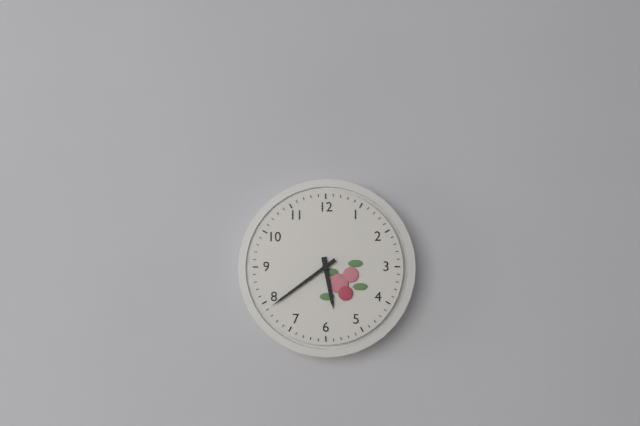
5:39
